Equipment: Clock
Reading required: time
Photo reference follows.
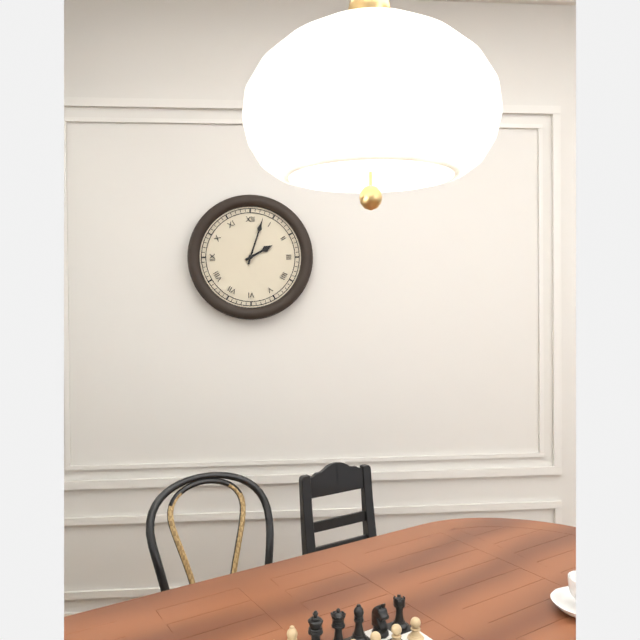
2:03
